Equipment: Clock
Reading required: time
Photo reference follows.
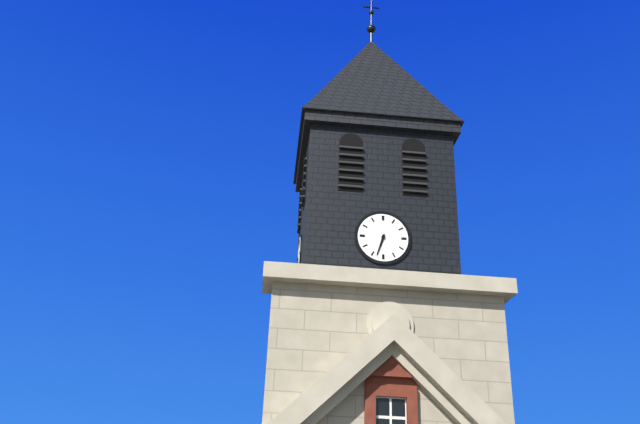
6:33
